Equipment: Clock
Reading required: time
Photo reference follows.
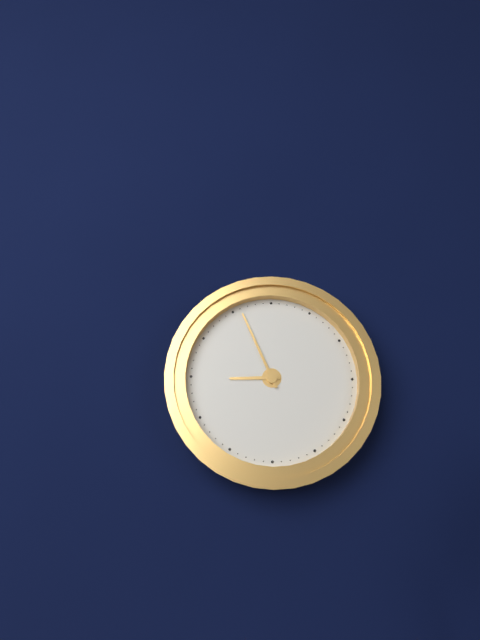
8:56
